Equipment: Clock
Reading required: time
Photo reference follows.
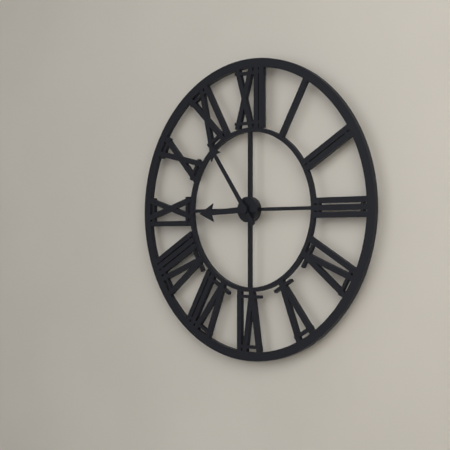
8:54
